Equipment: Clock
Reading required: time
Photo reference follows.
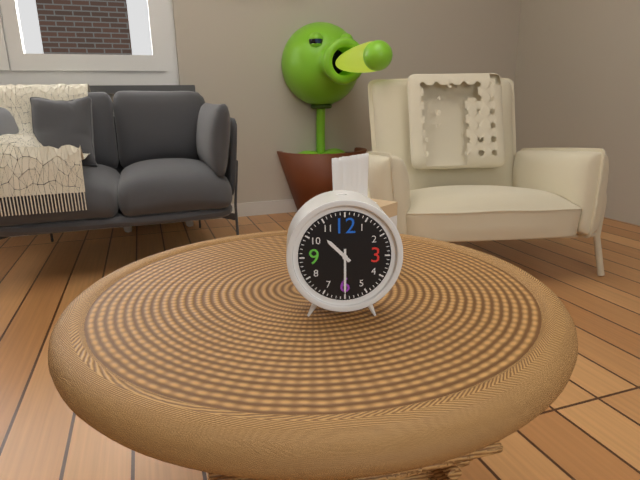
10:30
